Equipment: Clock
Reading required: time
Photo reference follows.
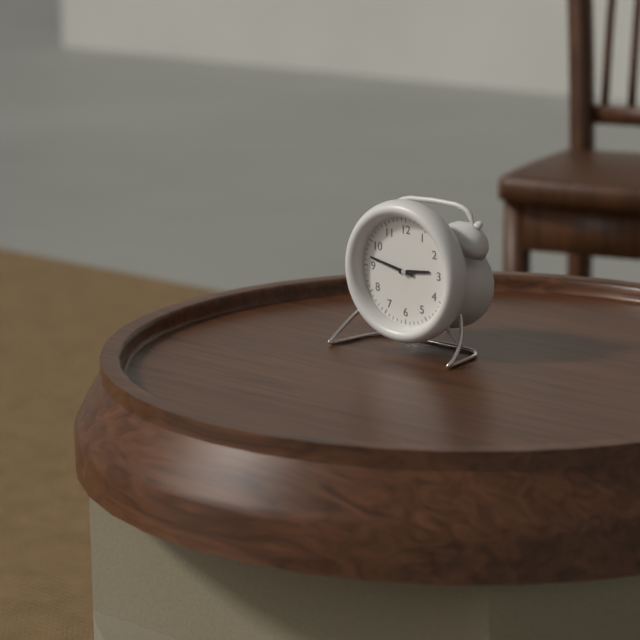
2:47
